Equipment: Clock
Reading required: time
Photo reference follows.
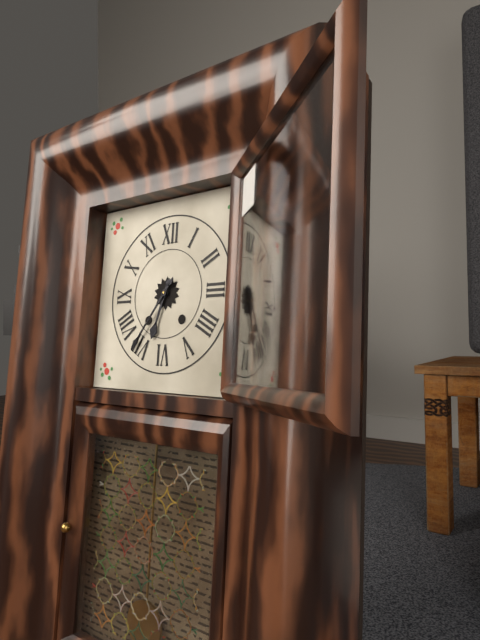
6:36
